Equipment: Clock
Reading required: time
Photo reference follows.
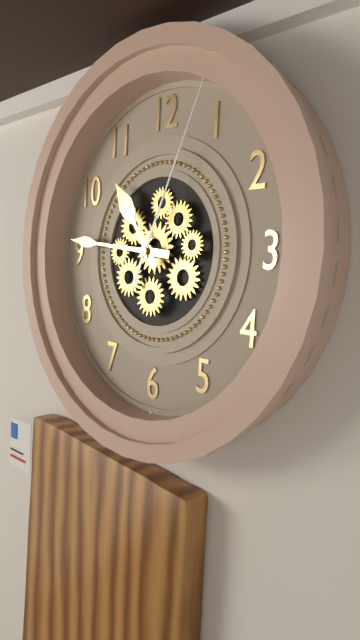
10:46:04
